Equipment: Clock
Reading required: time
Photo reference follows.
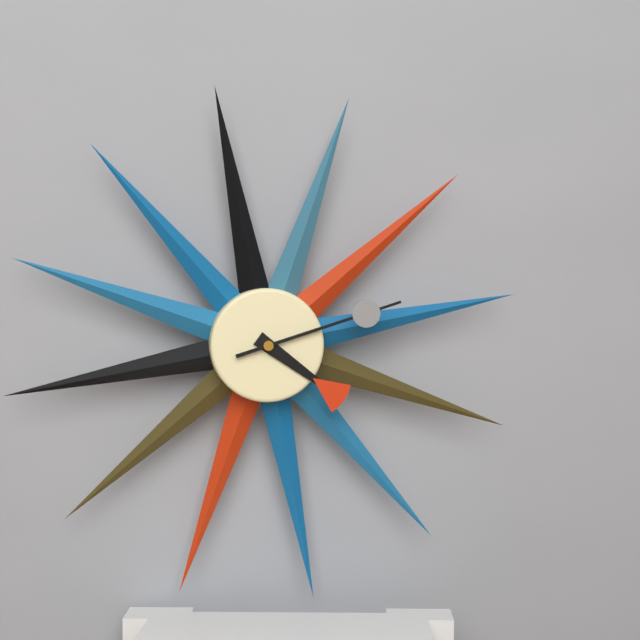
4:12
